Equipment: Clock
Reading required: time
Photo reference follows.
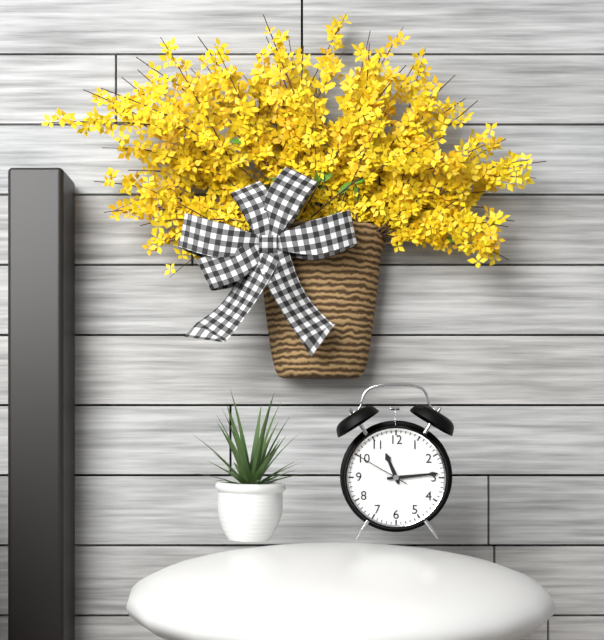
11:14:50
